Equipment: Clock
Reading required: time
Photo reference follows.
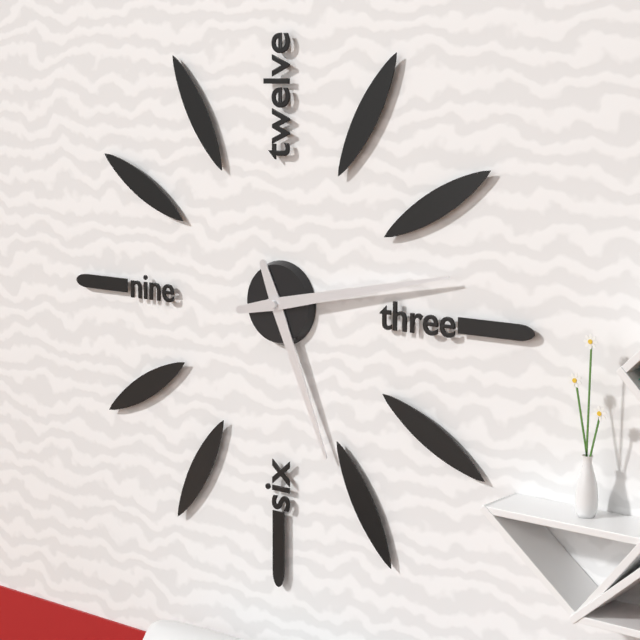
5:13
